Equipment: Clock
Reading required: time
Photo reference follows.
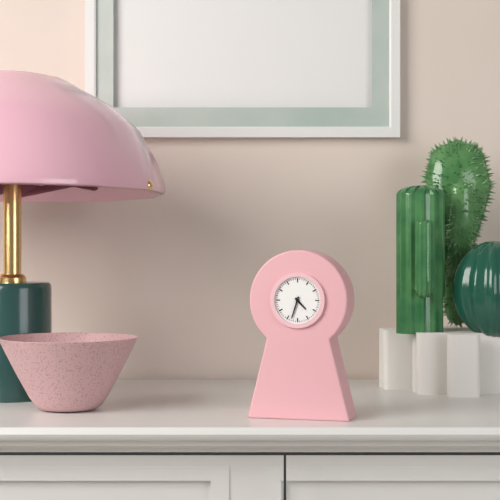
4:33
